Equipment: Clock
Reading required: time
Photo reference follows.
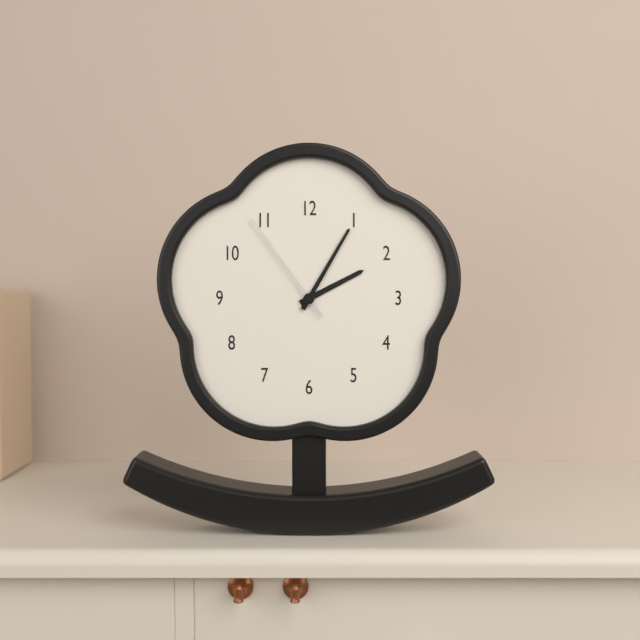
2:05:54
